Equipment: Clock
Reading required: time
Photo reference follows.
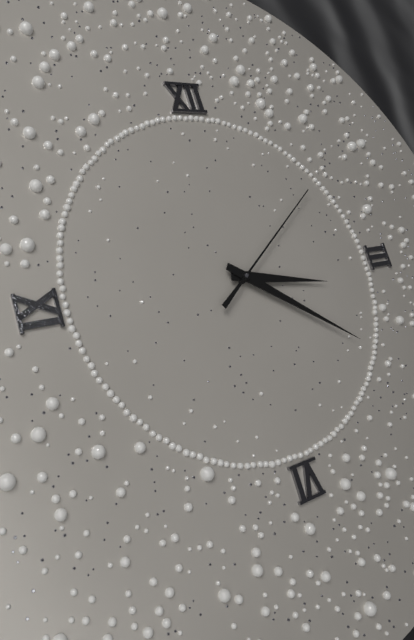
3:21:09
